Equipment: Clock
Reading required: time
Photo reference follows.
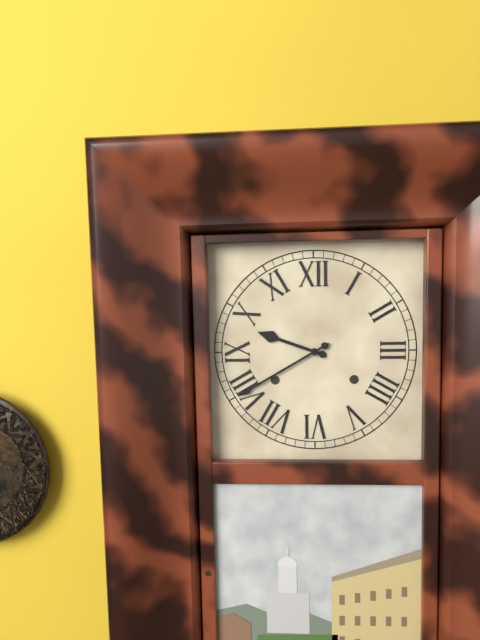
9:40
